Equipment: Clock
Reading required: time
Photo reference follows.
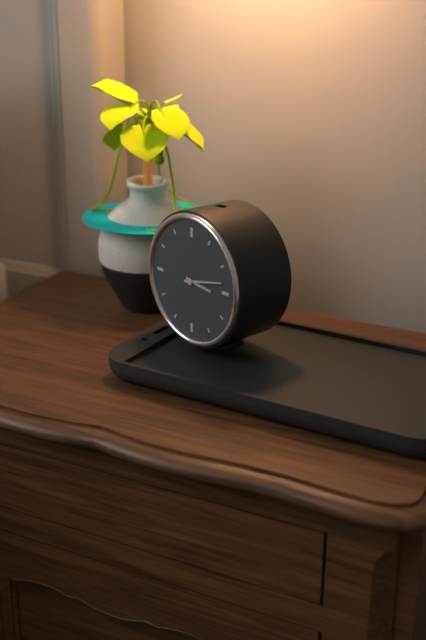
3:13
